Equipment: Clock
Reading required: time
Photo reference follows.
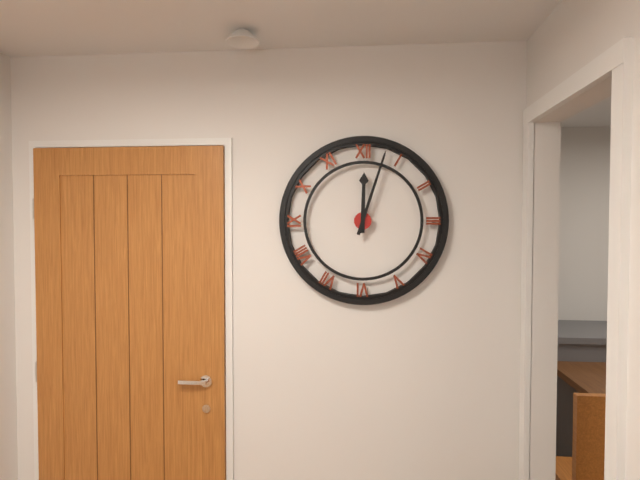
12:03
